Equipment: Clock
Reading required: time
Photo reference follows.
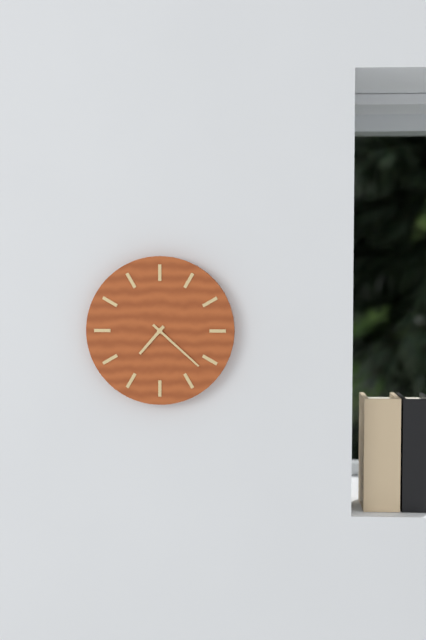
7:22
